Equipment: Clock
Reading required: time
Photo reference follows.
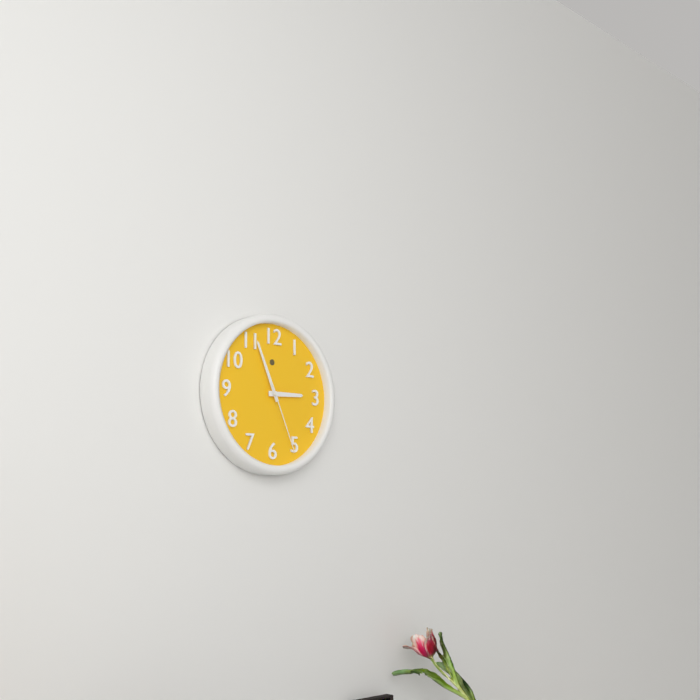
2:56:26
